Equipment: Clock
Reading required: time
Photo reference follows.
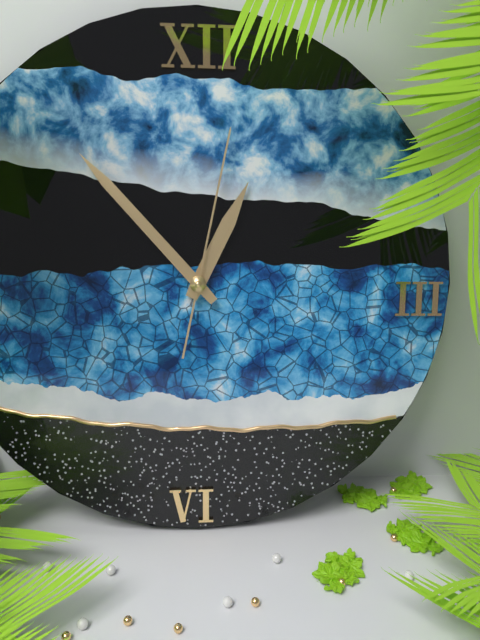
12:53:02
